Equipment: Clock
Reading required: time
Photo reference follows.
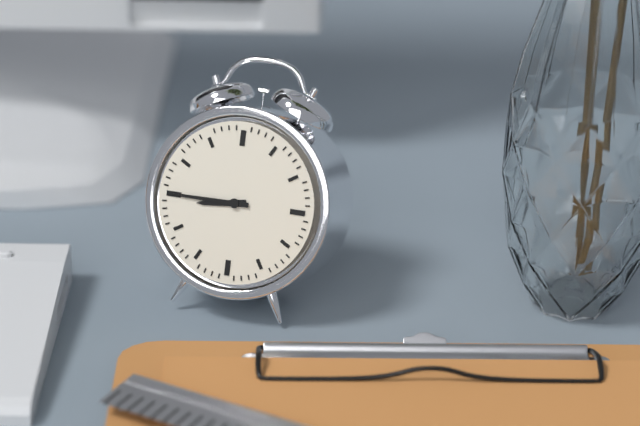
8:45
